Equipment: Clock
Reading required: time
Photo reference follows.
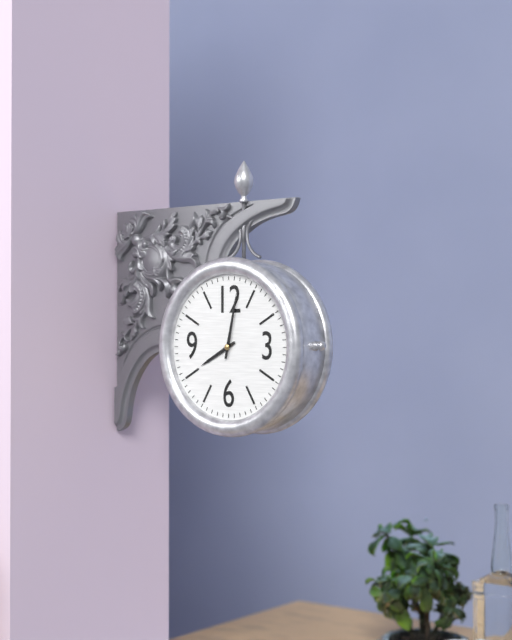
8:02
